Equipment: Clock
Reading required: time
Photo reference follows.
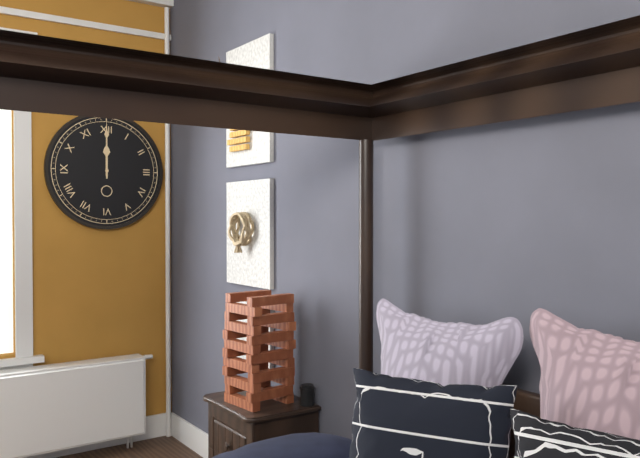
12:00
